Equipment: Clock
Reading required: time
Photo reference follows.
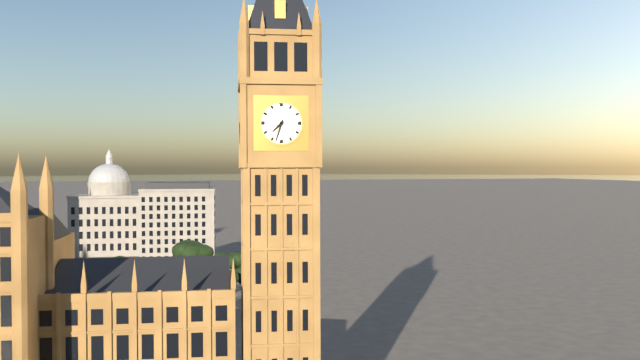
7:33
